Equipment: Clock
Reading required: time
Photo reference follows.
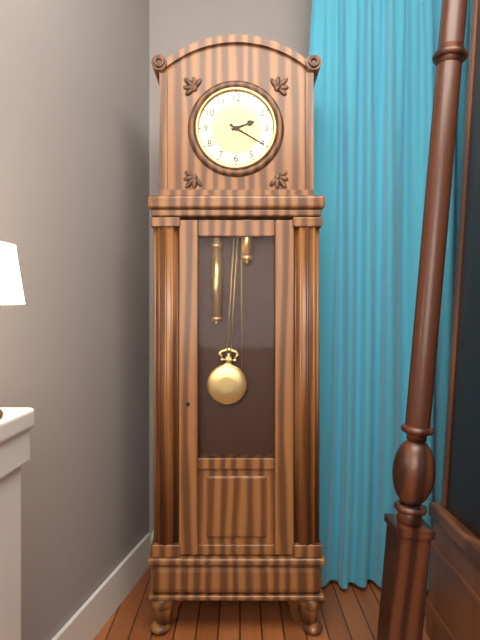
2:20
